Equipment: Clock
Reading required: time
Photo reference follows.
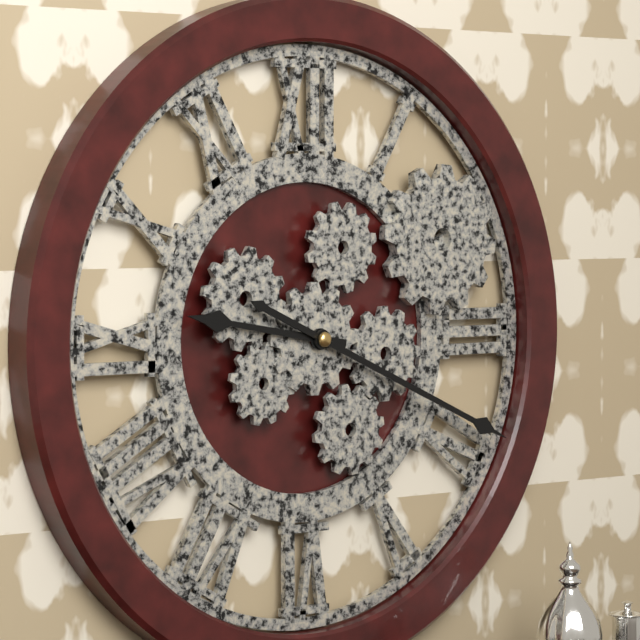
9:19
